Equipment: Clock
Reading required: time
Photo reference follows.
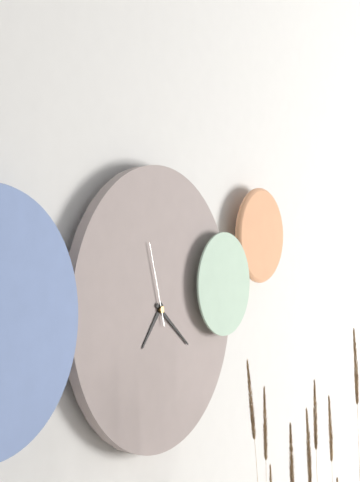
7:21:57
